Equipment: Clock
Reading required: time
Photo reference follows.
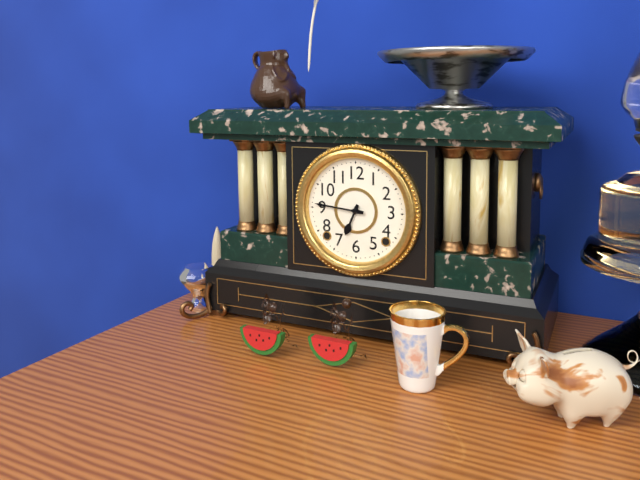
6:46
